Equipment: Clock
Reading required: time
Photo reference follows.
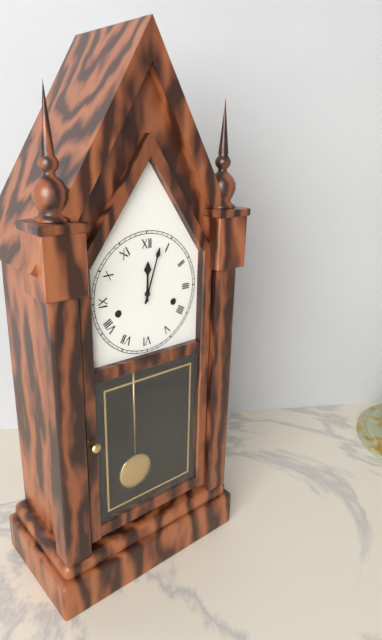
12:03
